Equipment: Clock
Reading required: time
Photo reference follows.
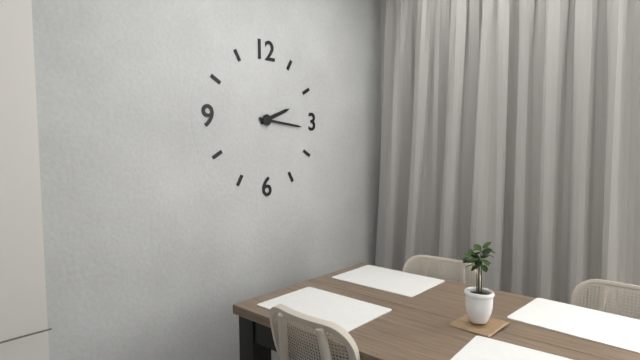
2:16
